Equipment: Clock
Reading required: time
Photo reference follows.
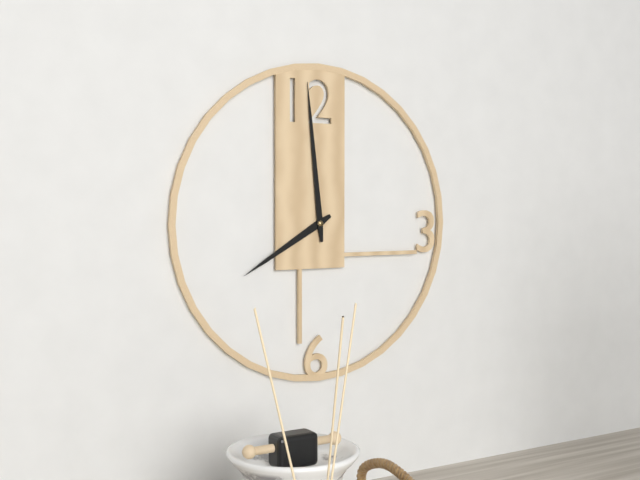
7:59
